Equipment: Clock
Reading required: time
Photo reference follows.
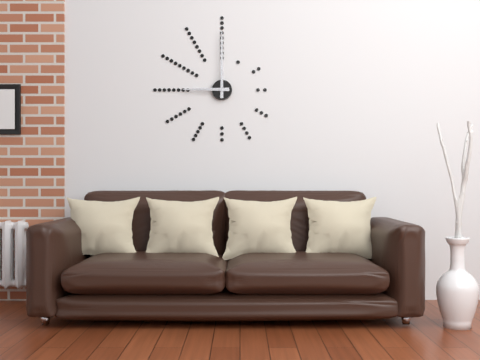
9:00
